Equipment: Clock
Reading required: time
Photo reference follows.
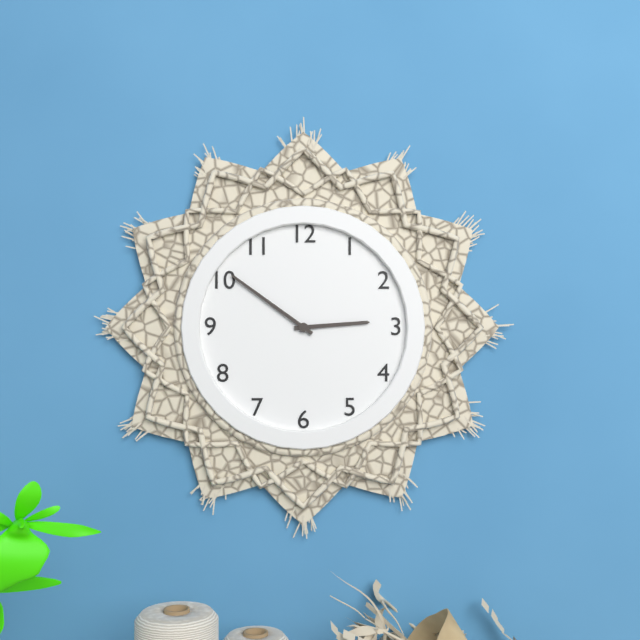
2:51
